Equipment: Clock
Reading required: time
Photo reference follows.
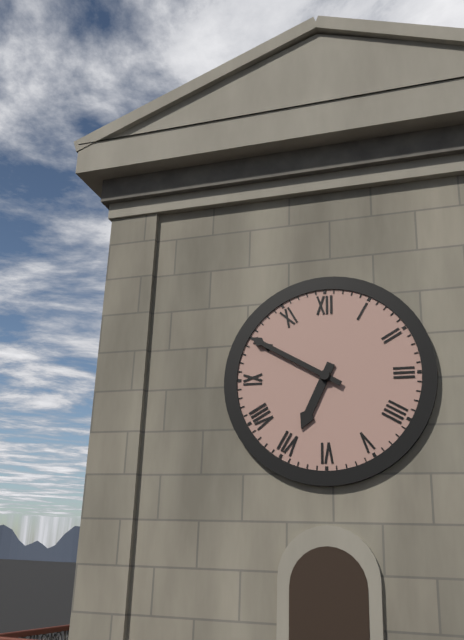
6:50
